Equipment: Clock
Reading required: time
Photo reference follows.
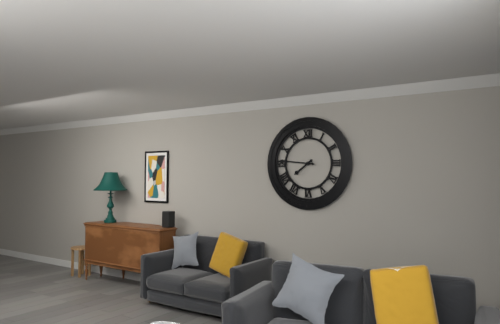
7:46
